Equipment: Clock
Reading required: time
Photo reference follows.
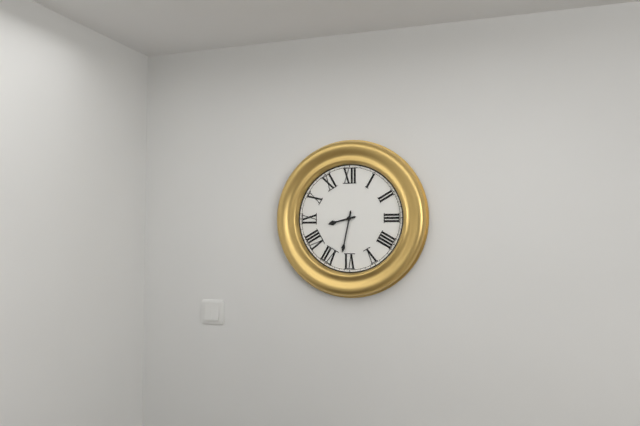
8:32
